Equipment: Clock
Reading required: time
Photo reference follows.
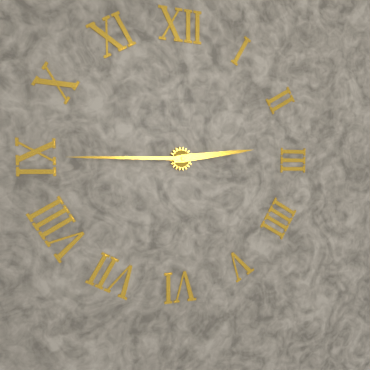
2:45
